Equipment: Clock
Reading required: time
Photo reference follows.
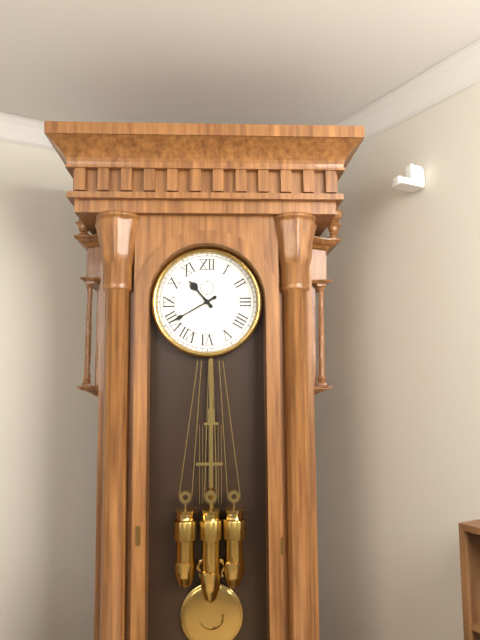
10:40
